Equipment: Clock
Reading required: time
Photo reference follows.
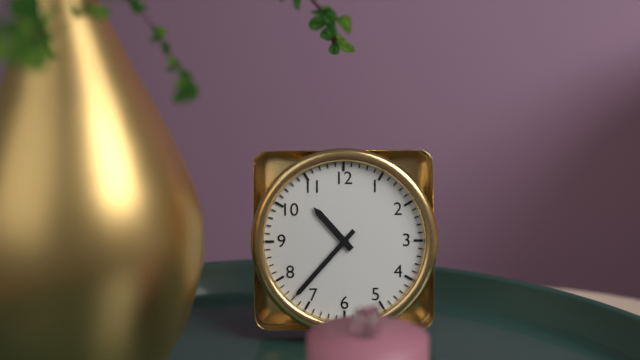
10:37
